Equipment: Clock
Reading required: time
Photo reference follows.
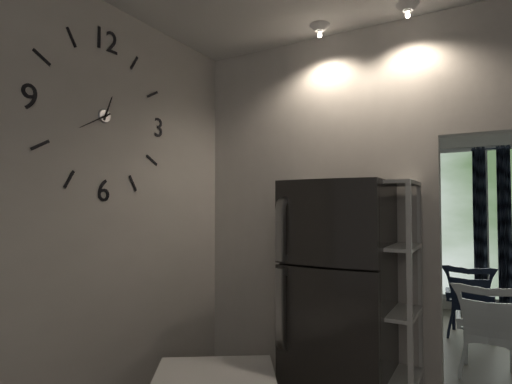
12:40
